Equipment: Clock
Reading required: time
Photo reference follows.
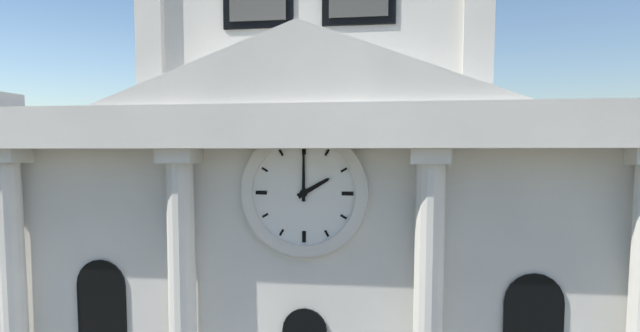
2:00
